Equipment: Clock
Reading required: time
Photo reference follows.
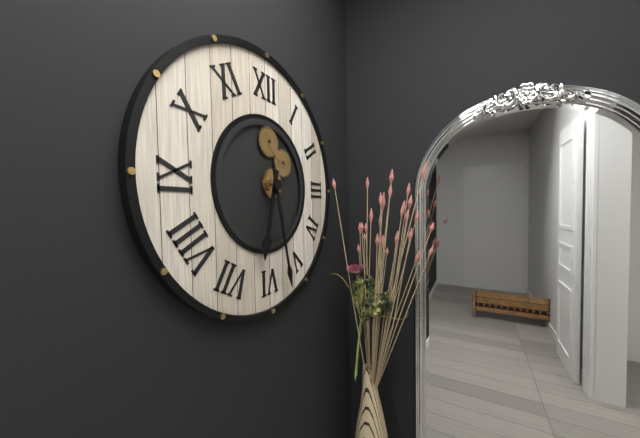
6:28
